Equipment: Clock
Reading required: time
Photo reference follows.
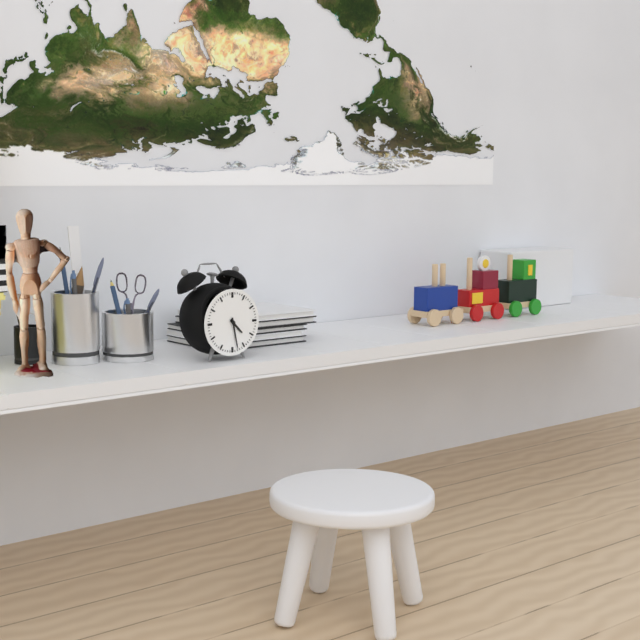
4:28
